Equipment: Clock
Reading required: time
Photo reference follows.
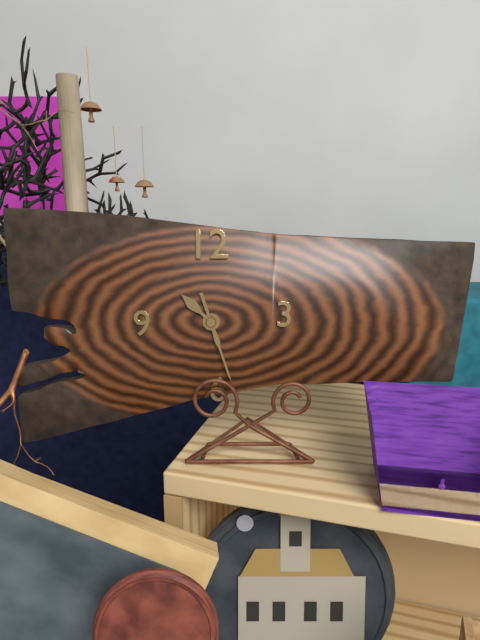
10:27
